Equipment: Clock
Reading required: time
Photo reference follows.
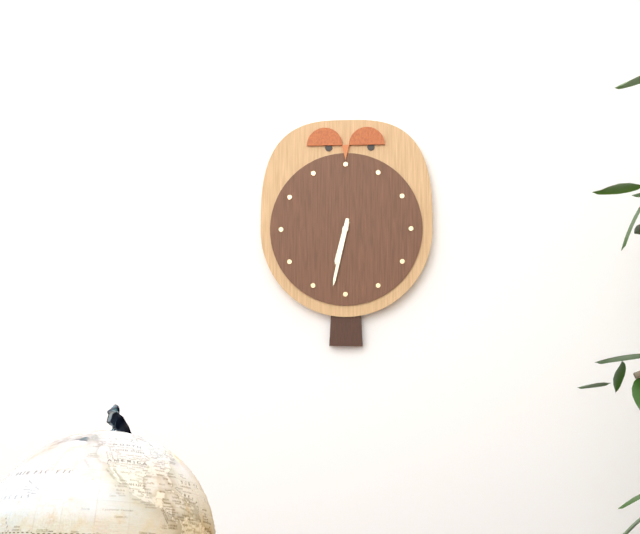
6:32
